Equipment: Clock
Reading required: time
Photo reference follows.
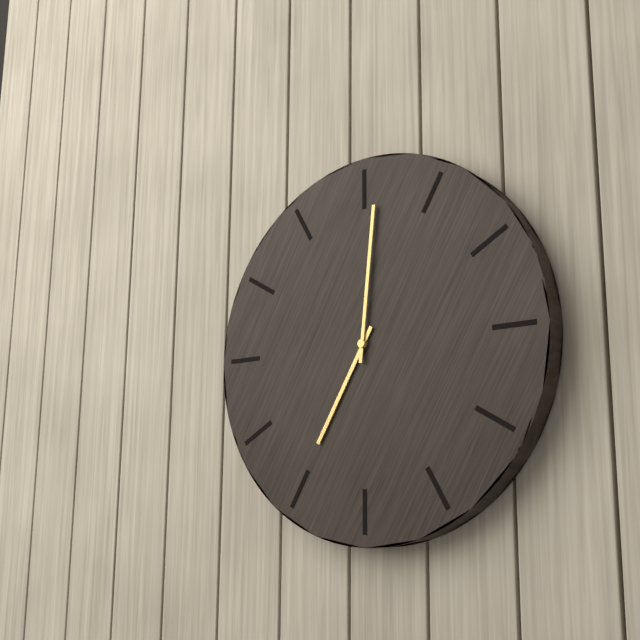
7:01
